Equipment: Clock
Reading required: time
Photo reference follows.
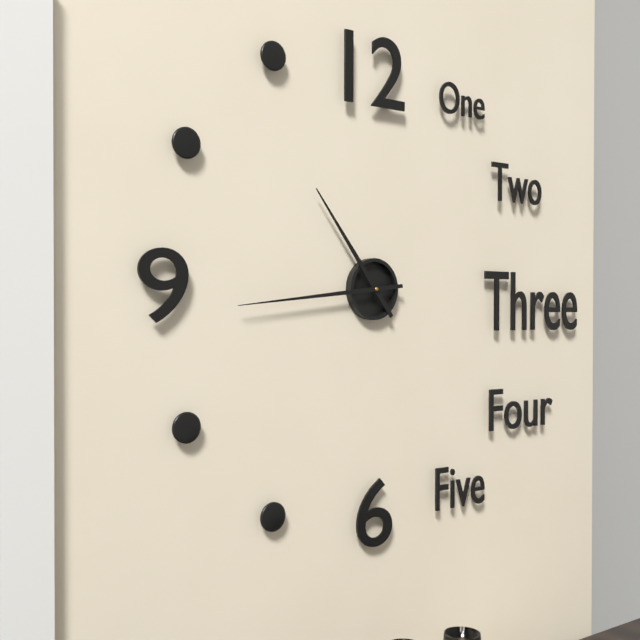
10:44
